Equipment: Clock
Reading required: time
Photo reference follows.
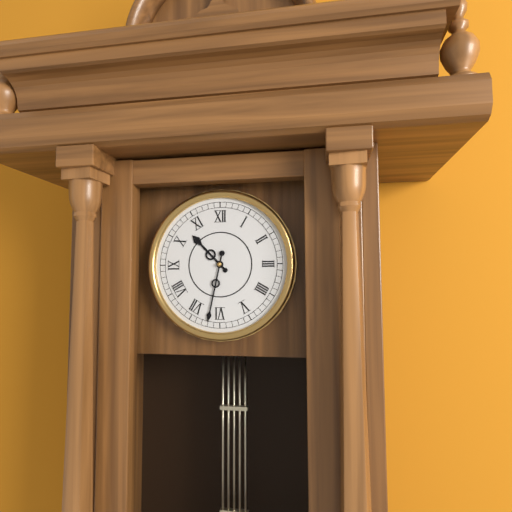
10:32
